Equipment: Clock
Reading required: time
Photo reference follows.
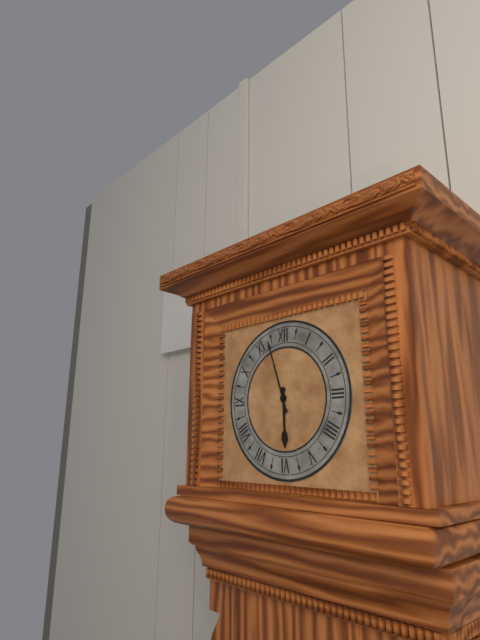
5:57
